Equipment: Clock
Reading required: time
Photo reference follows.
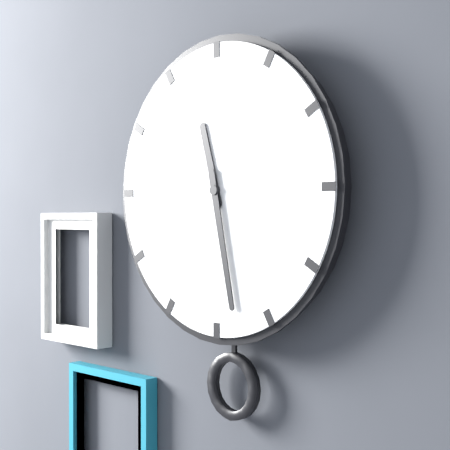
11:28
